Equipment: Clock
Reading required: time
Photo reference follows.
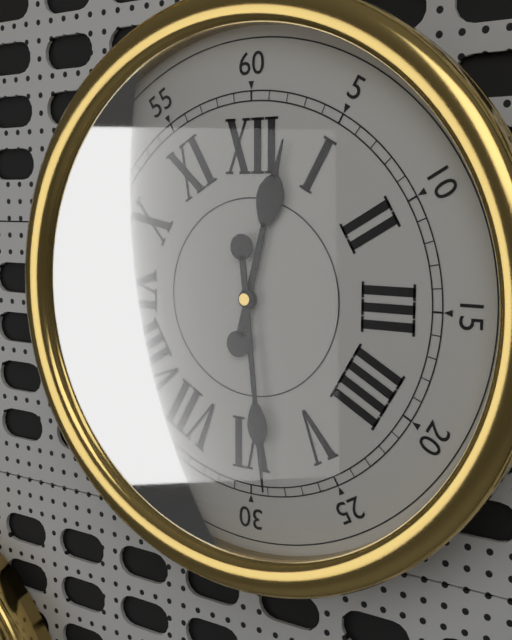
12:29
